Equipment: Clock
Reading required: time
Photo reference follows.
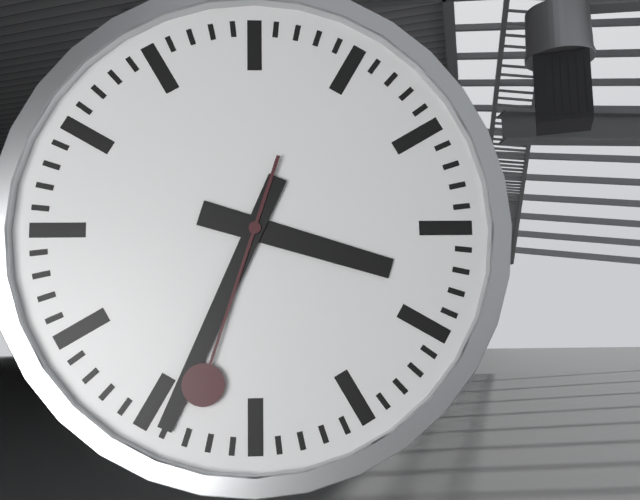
3:34:33
